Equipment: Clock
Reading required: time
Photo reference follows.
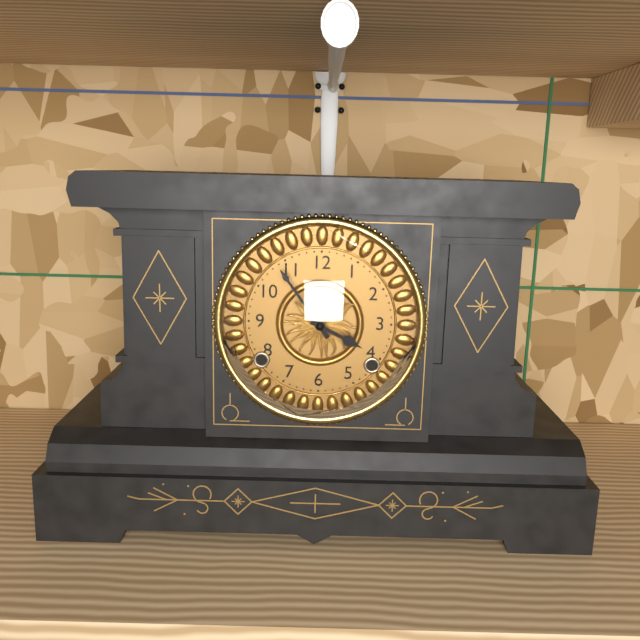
3:54
